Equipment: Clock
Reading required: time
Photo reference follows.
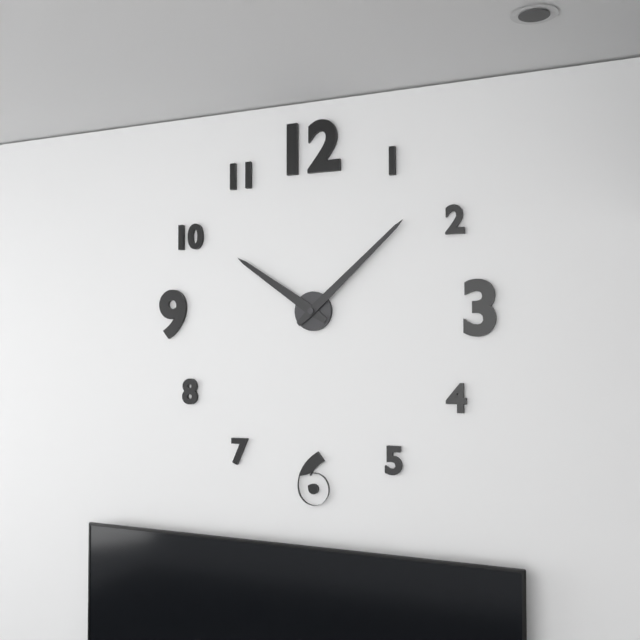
10:08
